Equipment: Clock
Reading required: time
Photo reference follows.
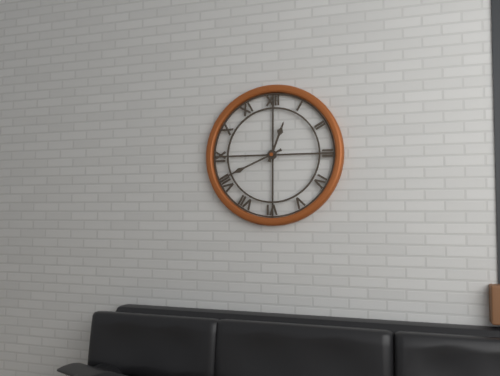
12:41
